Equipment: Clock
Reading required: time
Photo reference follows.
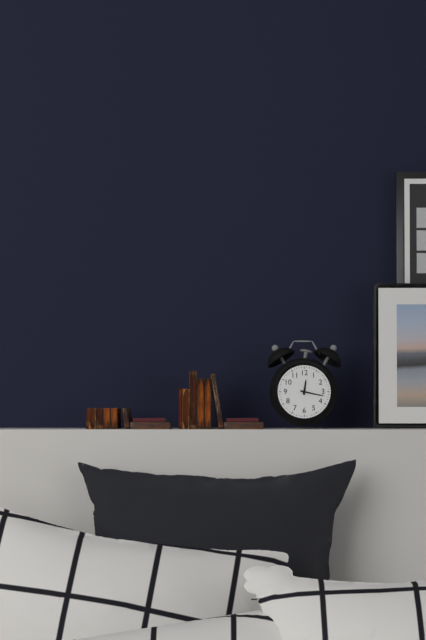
12:17
